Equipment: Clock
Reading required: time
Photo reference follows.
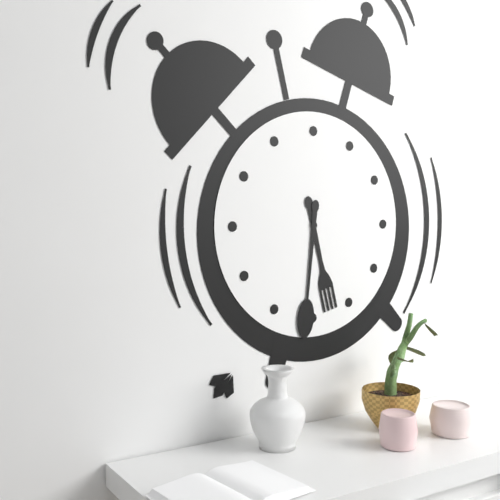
5:31
